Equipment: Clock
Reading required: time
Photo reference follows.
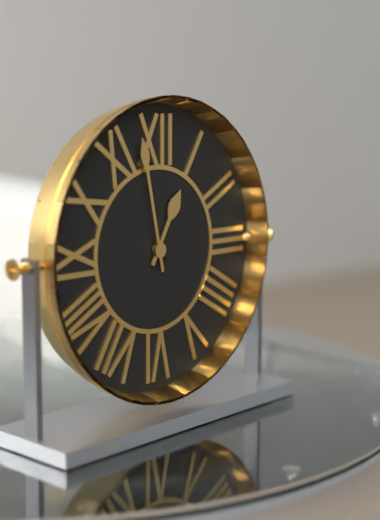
12:58
